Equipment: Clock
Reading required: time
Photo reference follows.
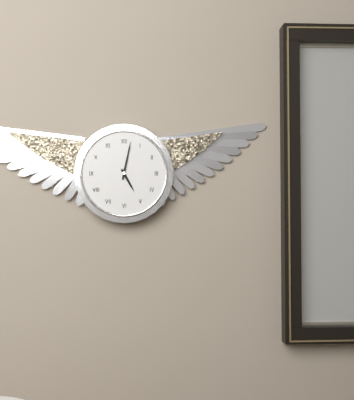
5:02
